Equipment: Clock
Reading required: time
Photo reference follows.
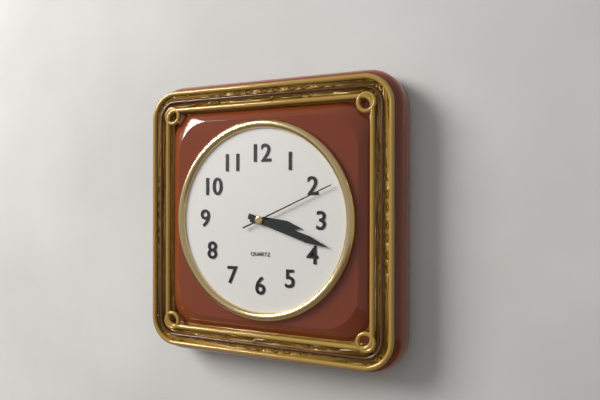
3:18:11
